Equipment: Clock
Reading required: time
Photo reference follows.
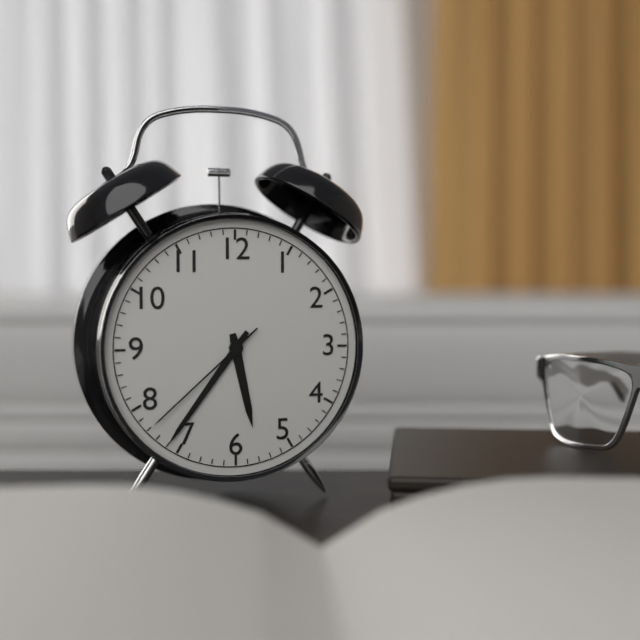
5:36:38
